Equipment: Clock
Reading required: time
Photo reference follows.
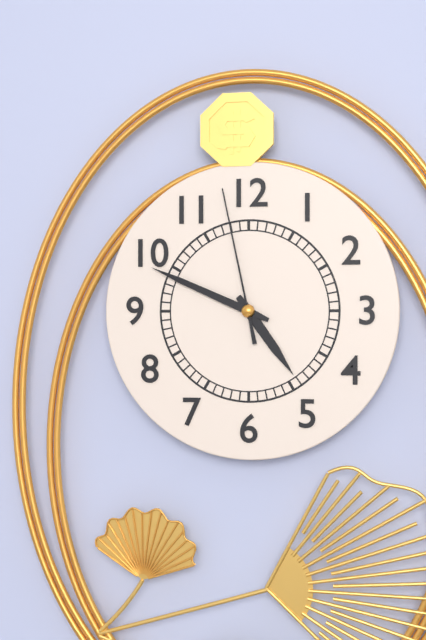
4:49:58
